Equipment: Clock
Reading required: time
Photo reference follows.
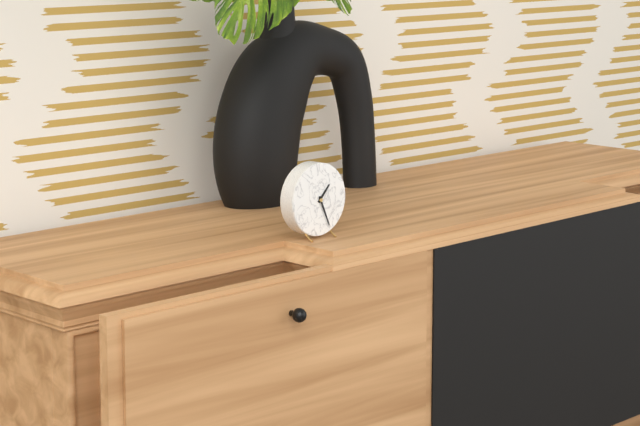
1:26
